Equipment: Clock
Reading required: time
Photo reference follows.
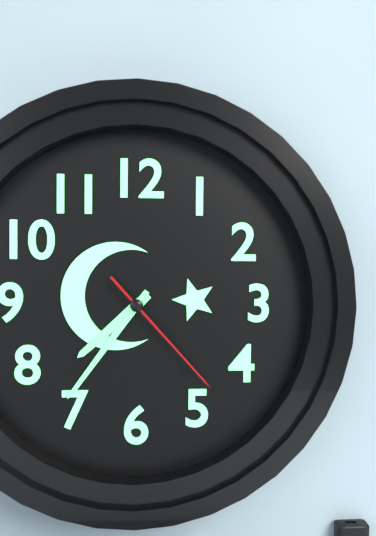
7:36:23
